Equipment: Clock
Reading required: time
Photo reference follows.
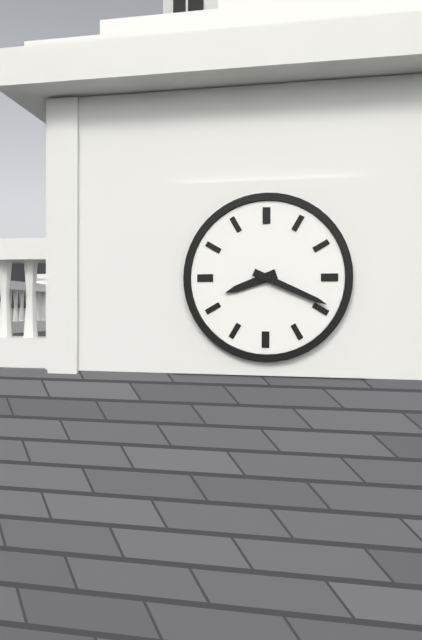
8:19
